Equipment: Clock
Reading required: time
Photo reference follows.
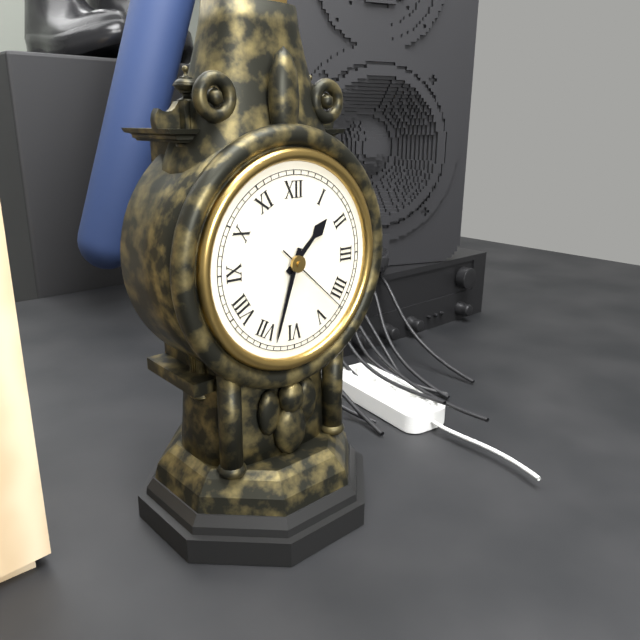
1:33:22
